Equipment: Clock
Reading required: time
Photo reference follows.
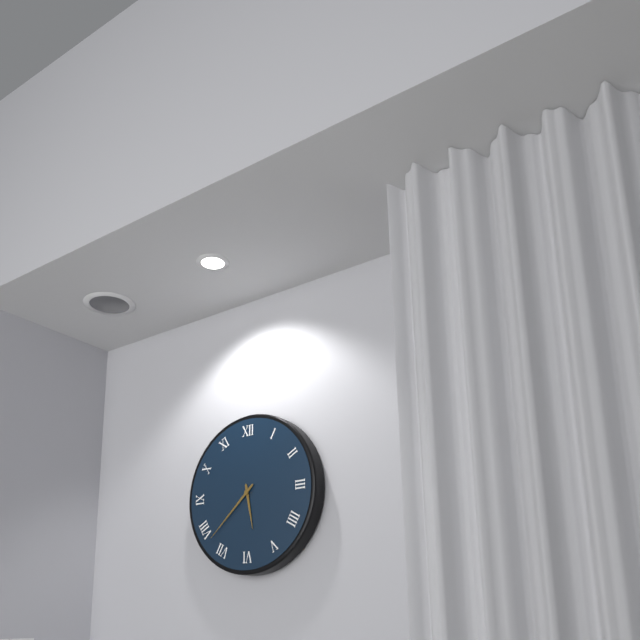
5:38
